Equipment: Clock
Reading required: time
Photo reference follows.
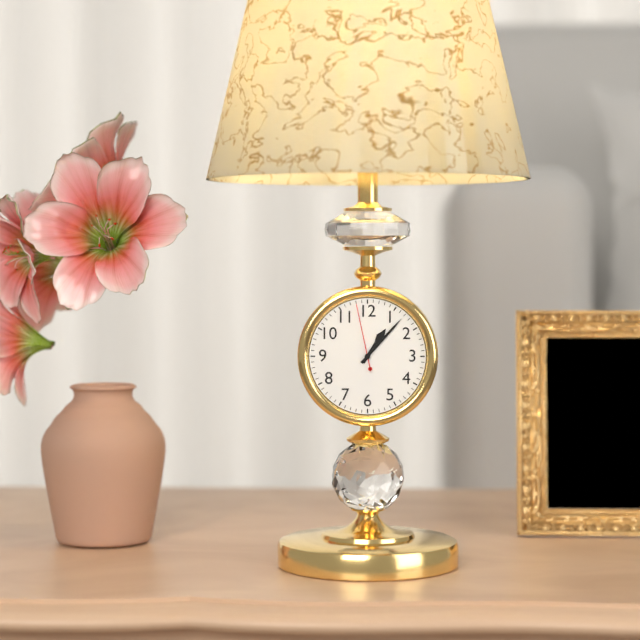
1:07:58
